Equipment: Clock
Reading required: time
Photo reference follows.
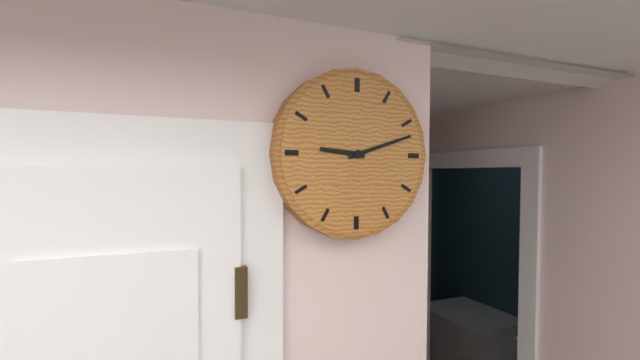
9:12
